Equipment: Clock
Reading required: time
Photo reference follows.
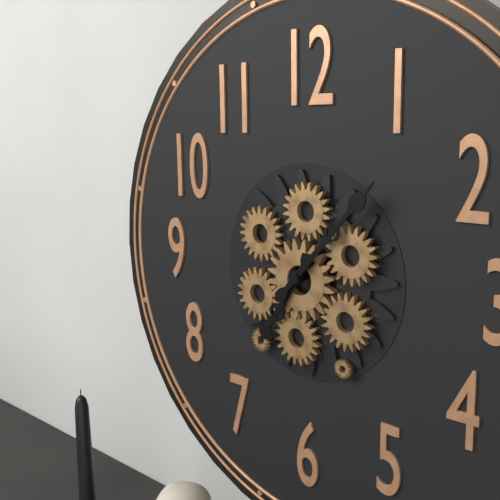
7:07
